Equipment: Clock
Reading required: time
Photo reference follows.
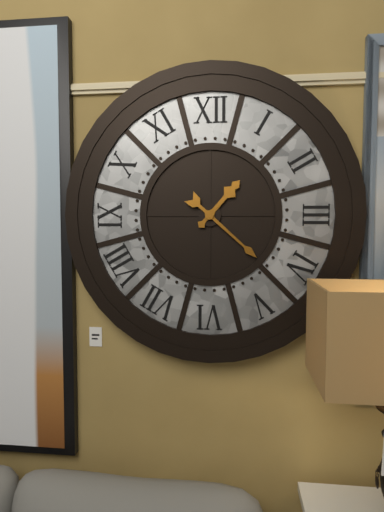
1:22
